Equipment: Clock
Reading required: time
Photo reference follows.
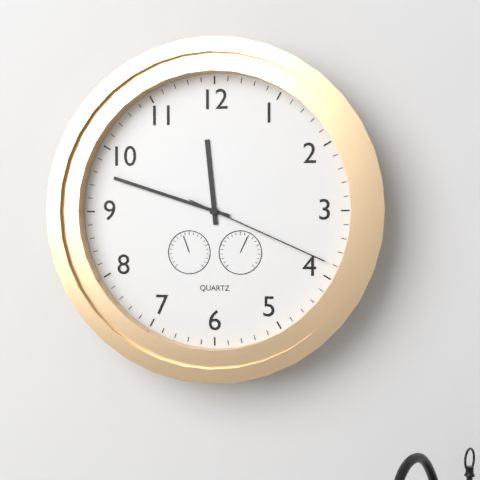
11:48:19
